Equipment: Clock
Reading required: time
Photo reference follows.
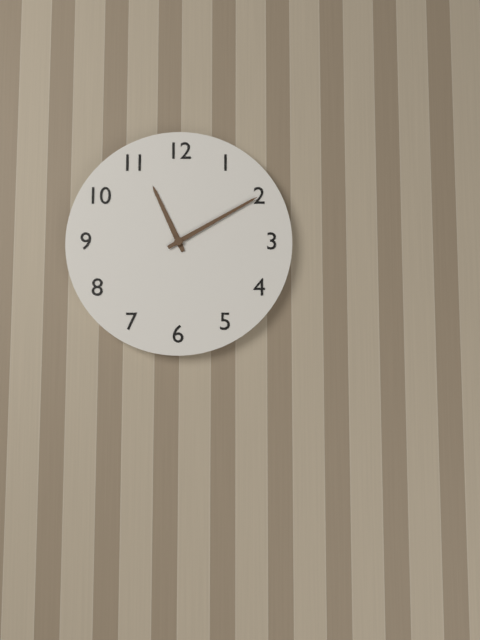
11:10
